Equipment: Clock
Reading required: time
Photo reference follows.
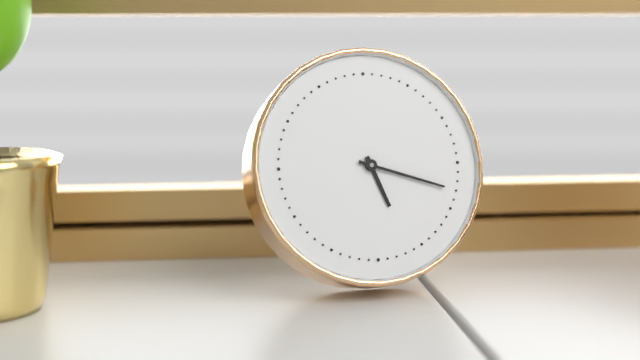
5:18
